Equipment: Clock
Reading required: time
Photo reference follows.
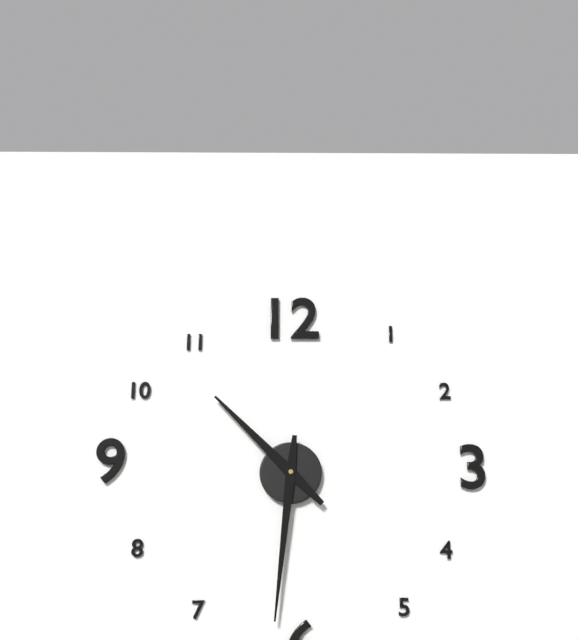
10:31
